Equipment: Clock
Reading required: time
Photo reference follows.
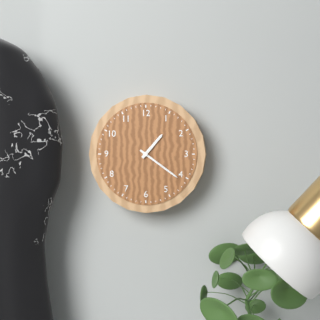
1:21
